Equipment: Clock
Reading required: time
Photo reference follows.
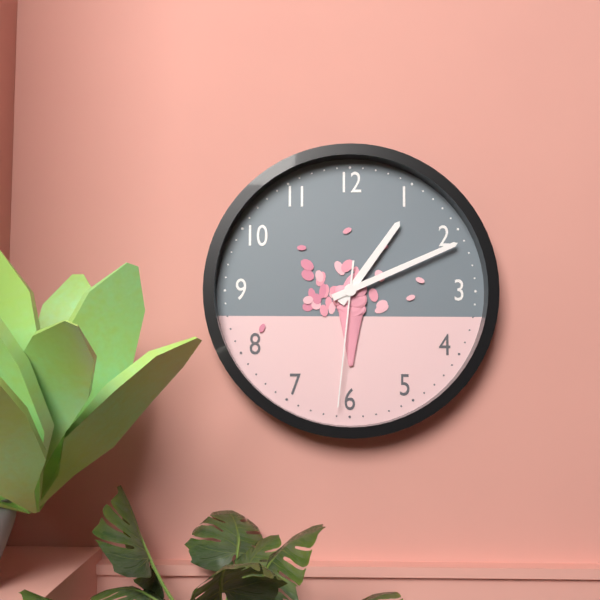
1:11:31
